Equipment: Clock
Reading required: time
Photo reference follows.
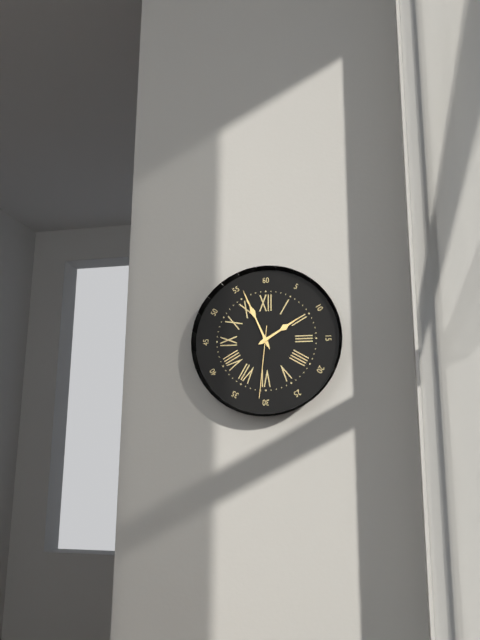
1:56:31
